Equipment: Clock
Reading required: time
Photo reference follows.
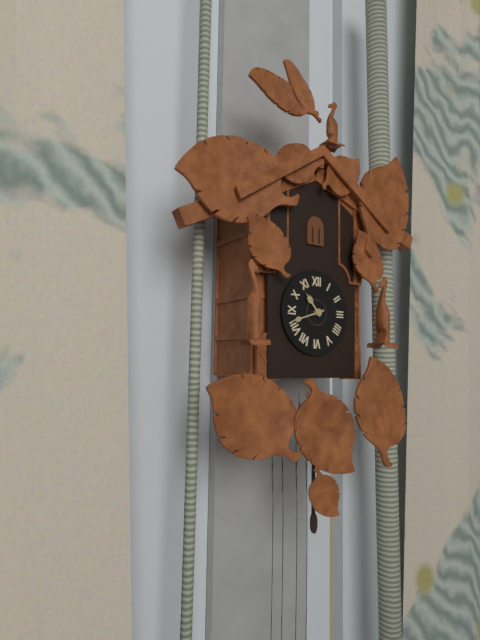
10:42
